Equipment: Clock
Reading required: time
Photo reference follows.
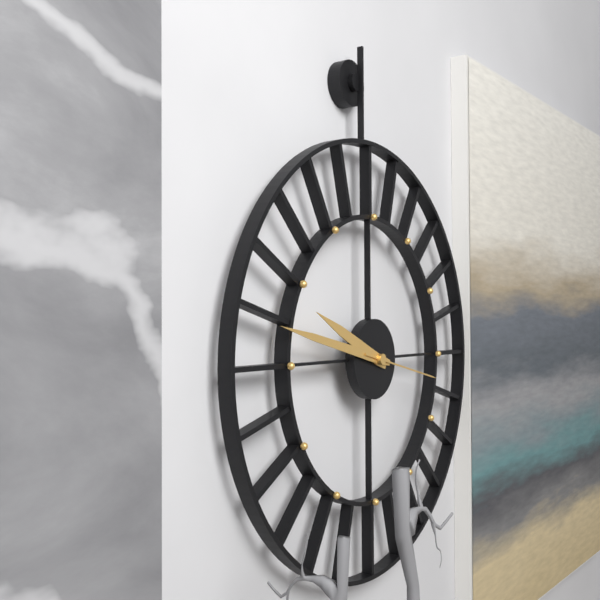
9:47:17
